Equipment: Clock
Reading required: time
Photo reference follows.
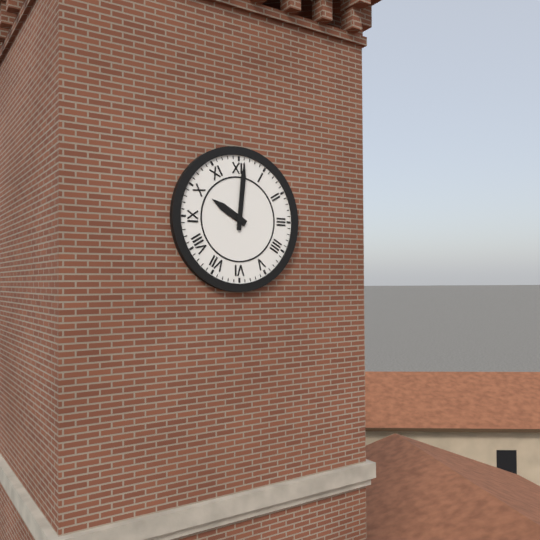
10:01
